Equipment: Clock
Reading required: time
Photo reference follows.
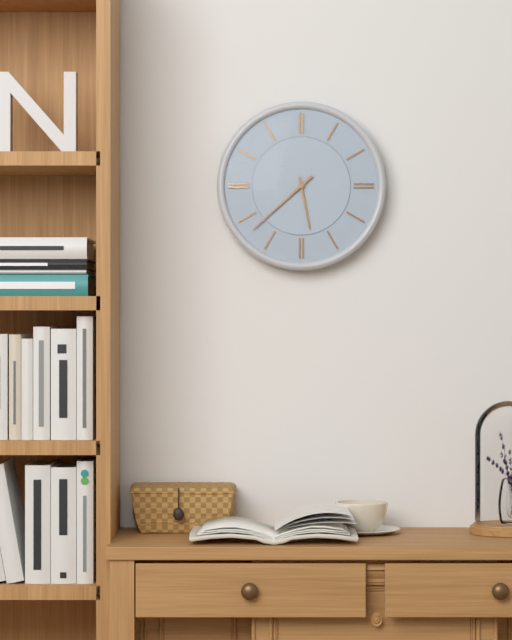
5:38
